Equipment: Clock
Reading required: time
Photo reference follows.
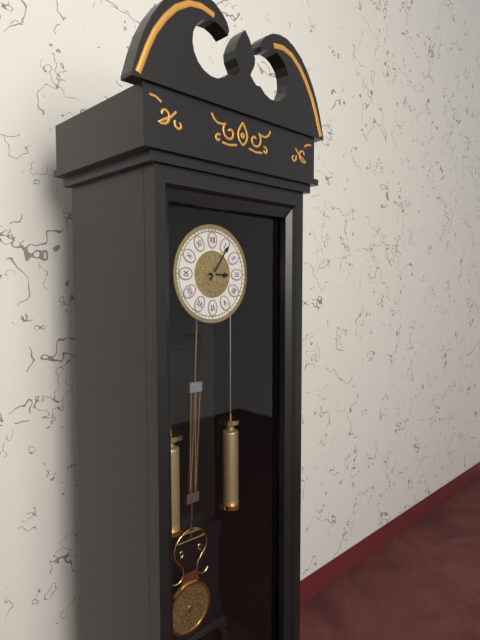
3:06
